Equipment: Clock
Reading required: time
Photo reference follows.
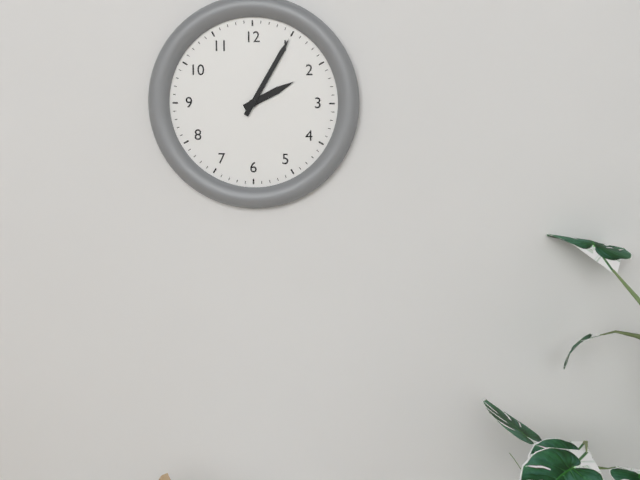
2:05
